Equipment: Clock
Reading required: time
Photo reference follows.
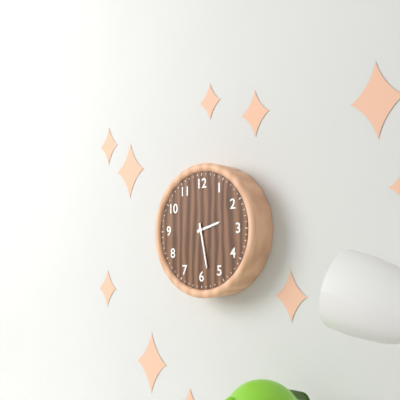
2:28
